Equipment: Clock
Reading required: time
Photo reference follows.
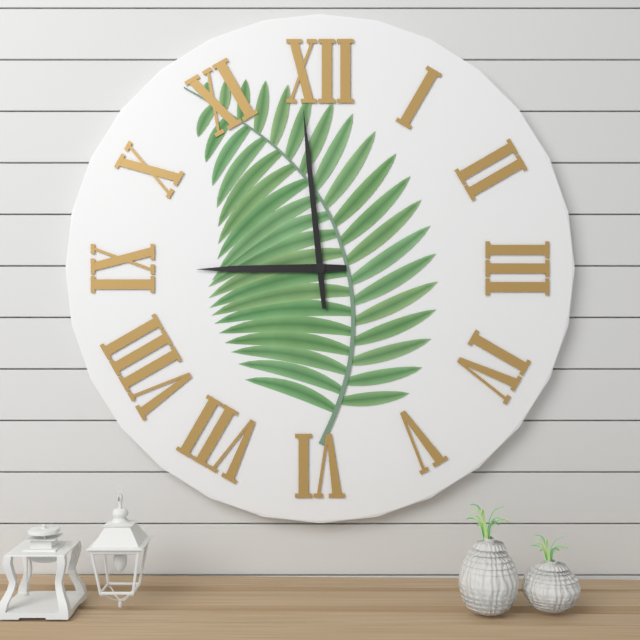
8:59
